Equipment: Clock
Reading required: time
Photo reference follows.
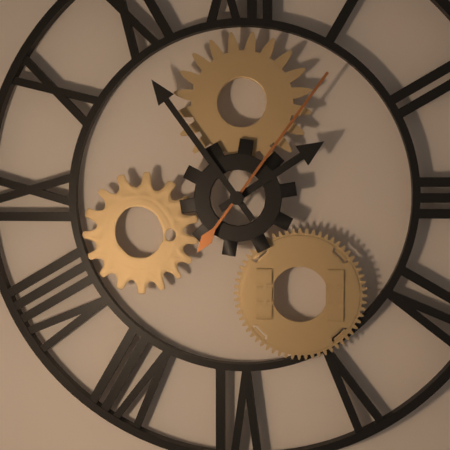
1:54:06
